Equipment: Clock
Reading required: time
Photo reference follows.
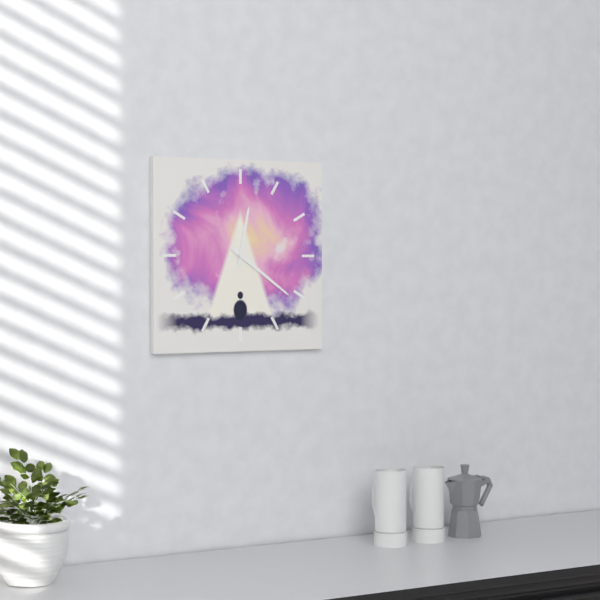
12:21
